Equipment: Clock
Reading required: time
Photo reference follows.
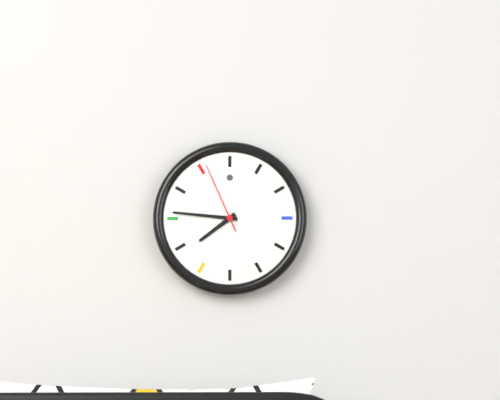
7:46:56
